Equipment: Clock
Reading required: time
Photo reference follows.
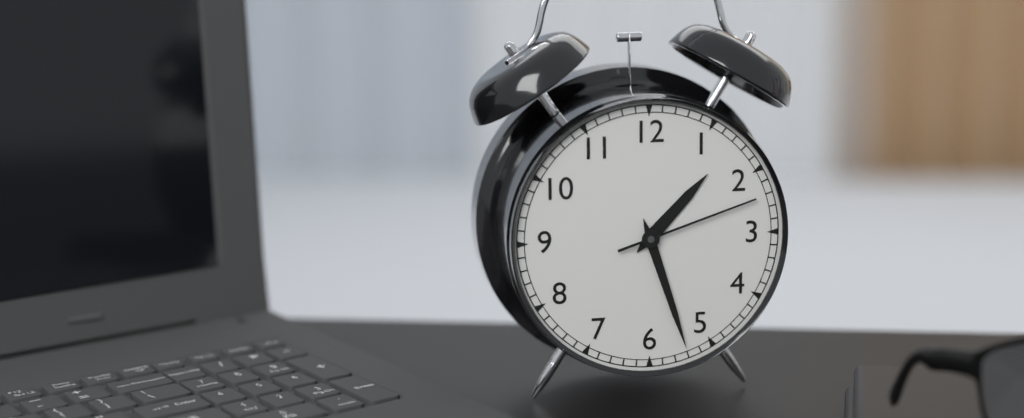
1:27:12
